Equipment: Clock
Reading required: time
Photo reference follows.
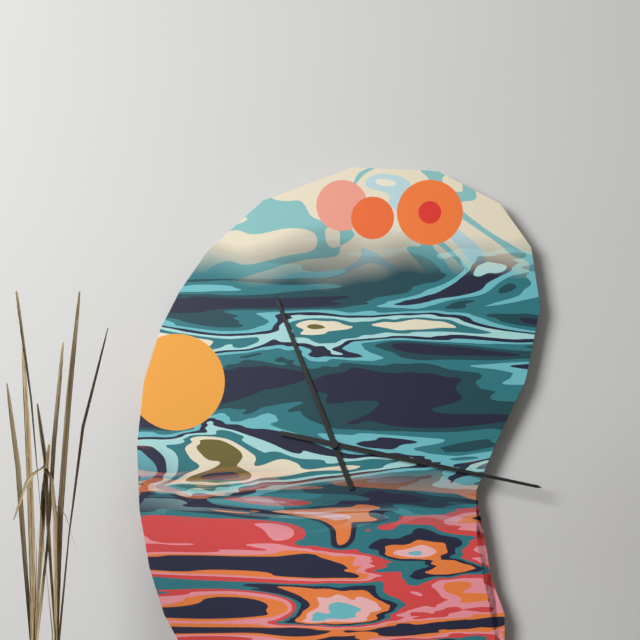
11:17
